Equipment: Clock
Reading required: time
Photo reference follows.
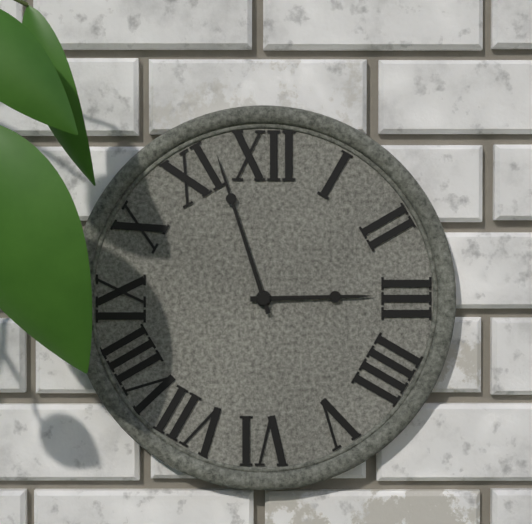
2:57
